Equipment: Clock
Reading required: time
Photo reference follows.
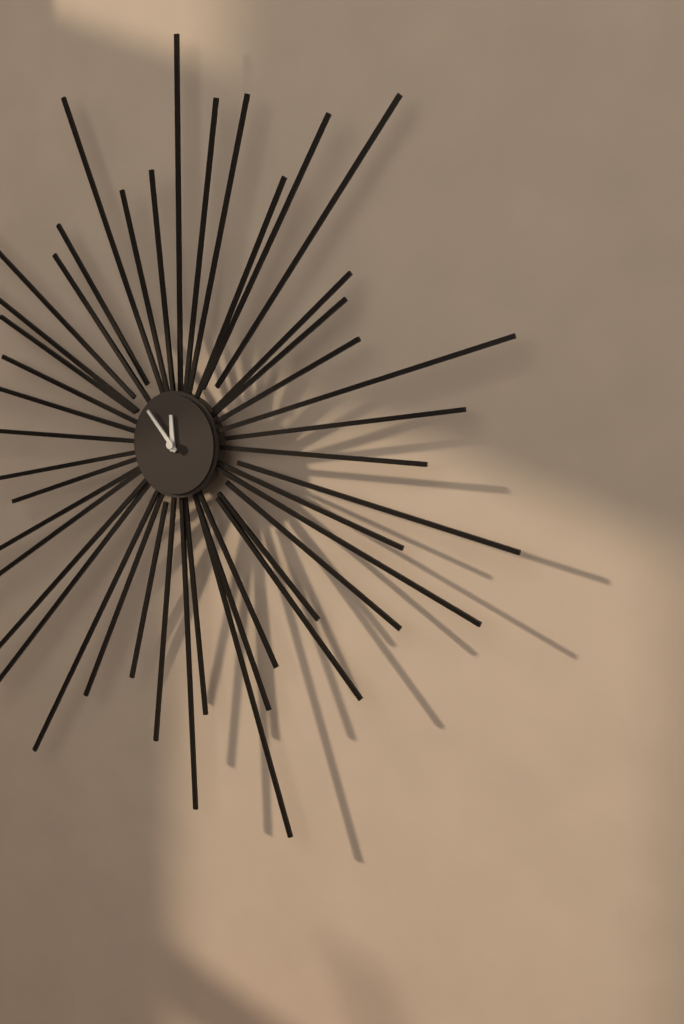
11:53
